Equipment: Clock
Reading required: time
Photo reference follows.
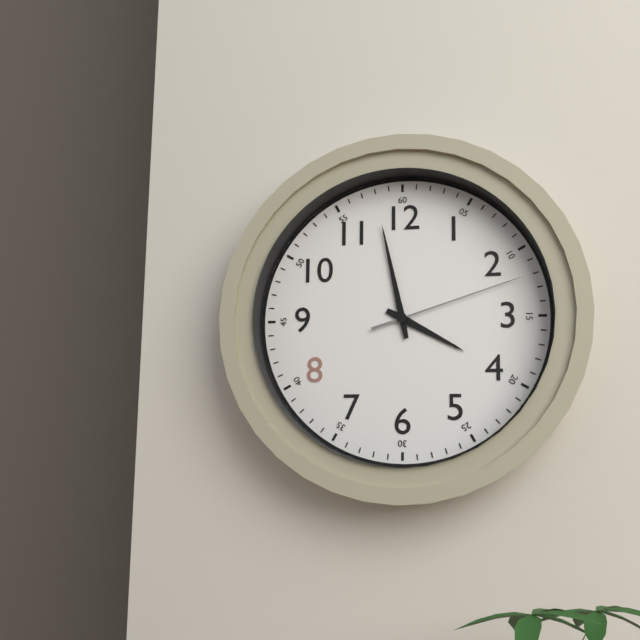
3:58:12
